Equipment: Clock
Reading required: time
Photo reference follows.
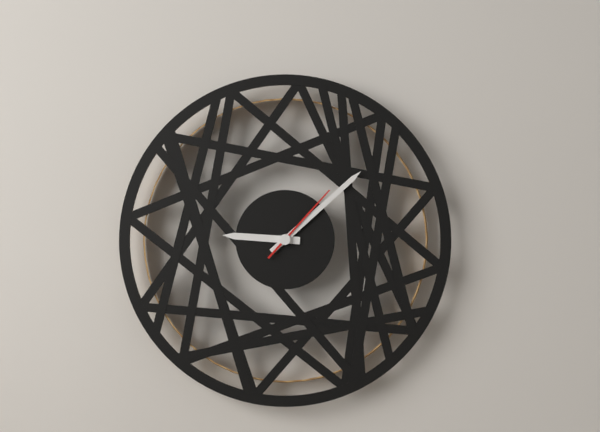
9:08:07
